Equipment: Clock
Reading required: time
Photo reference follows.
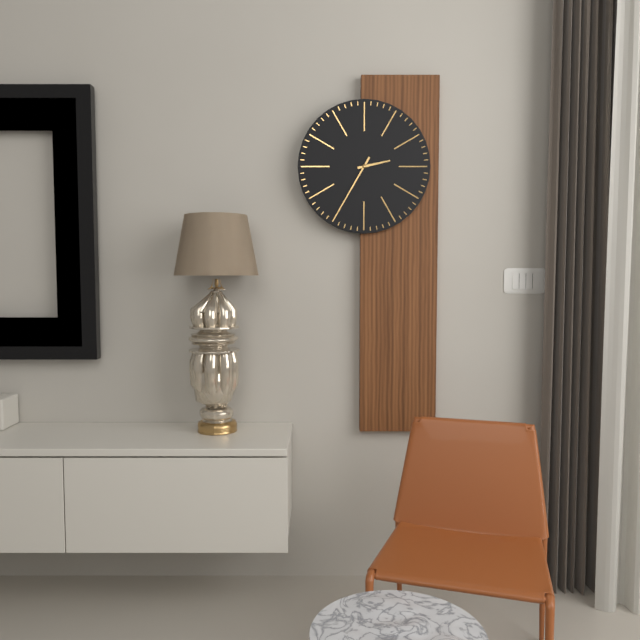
2:35
